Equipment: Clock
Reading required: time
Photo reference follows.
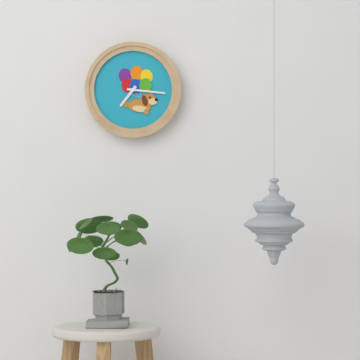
7:16
